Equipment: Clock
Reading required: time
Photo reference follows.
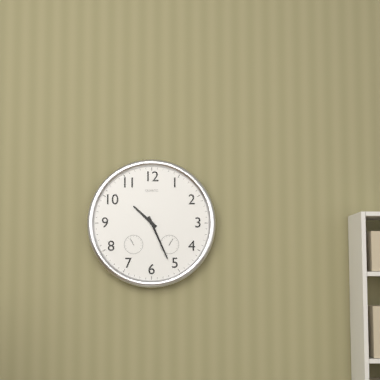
10:26
